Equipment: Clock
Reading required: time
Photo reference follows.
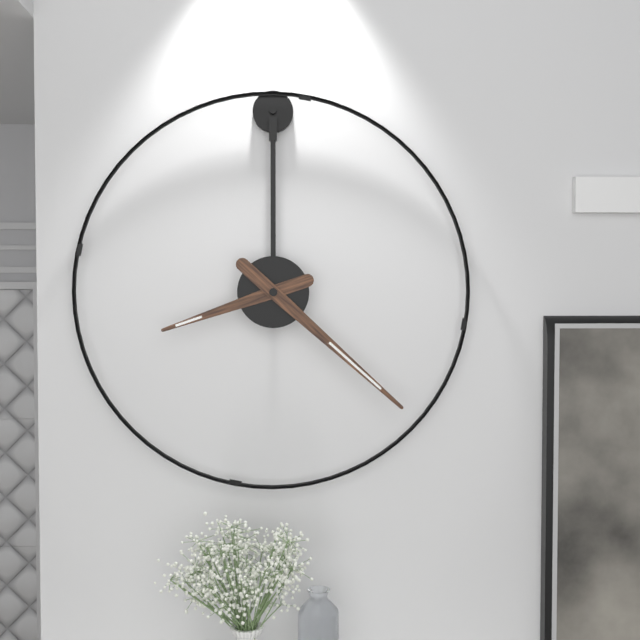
8:22
